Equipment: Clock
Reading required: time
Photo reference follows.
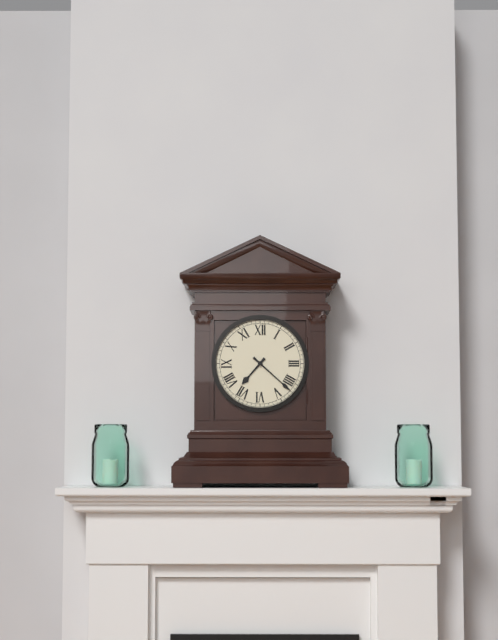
7:22
